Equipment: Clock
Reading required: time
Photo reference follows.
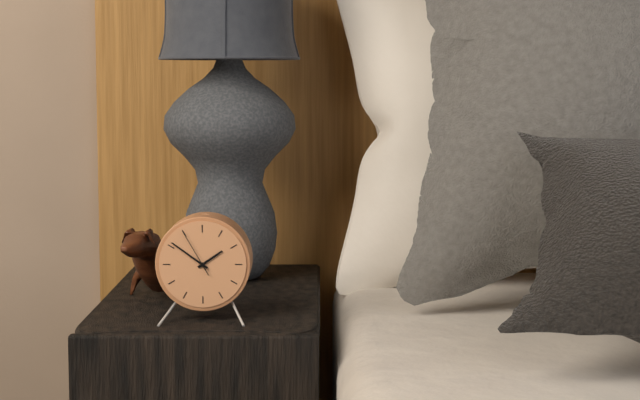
1:51
